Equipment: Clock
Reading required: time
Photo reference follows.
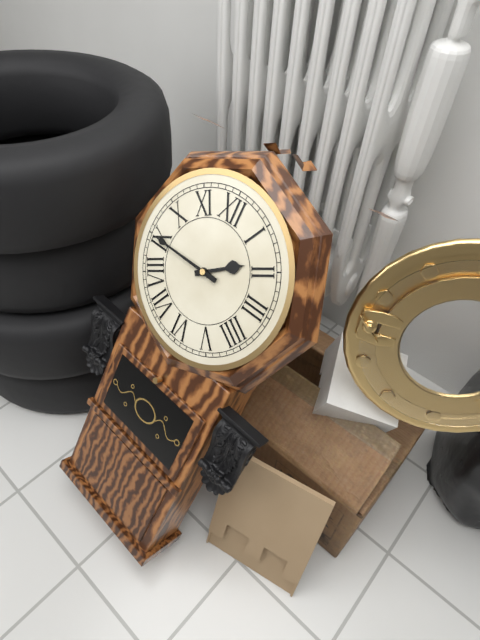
1:45
